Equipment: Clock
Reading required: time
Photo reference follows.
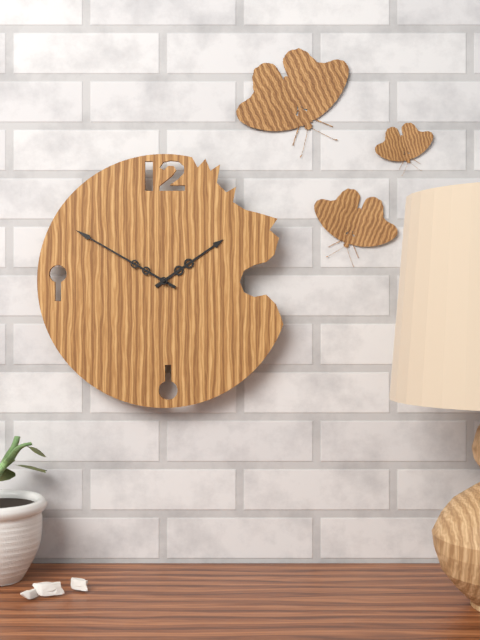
1:50
